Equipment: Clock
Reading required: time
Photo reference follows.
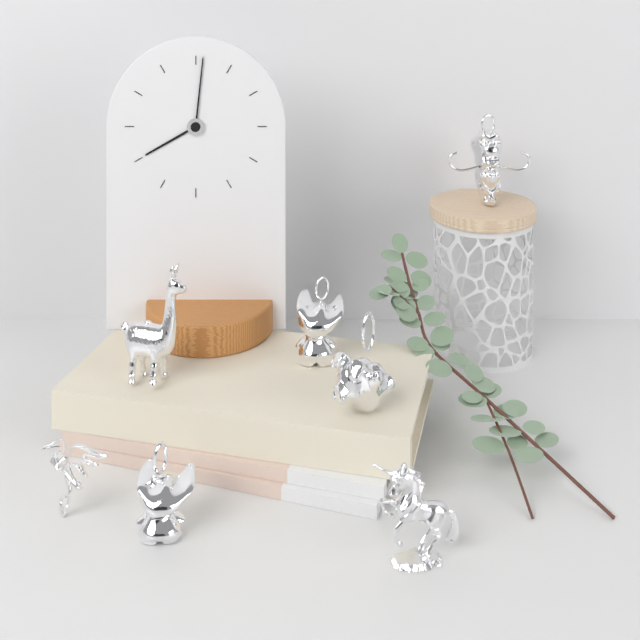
8:01
